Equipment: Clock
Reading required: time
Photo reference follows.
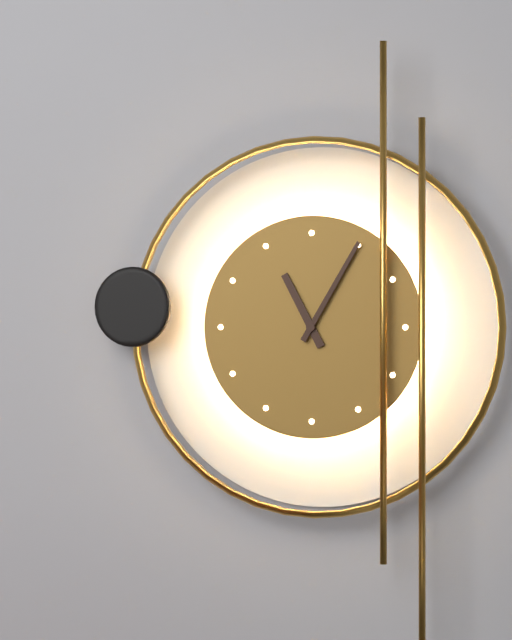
11:05
